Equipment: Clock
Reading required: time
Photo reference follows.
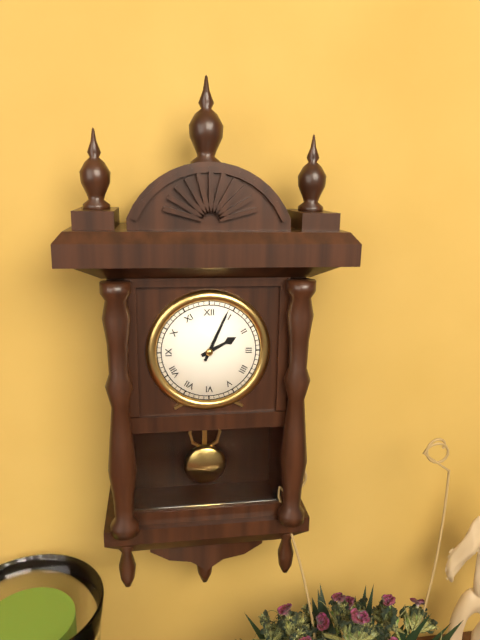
2:04
